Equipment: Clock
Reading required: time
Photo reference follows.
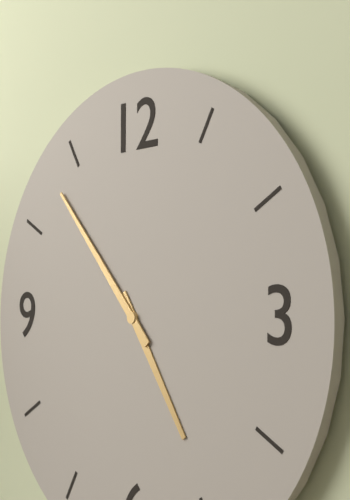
4:53
